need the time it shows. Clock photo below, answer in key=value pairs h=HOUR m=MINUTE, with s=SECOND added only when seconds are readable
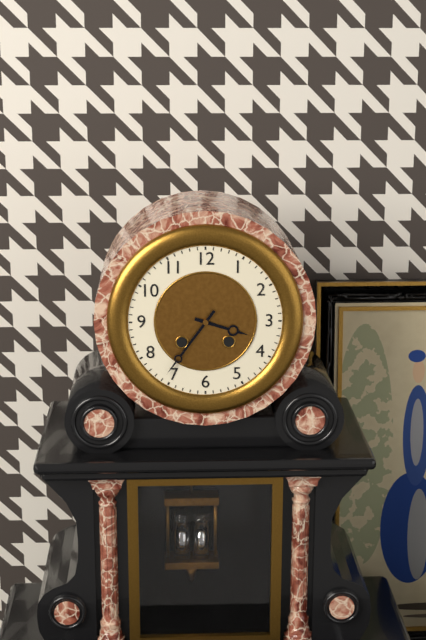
h=3 m=36
